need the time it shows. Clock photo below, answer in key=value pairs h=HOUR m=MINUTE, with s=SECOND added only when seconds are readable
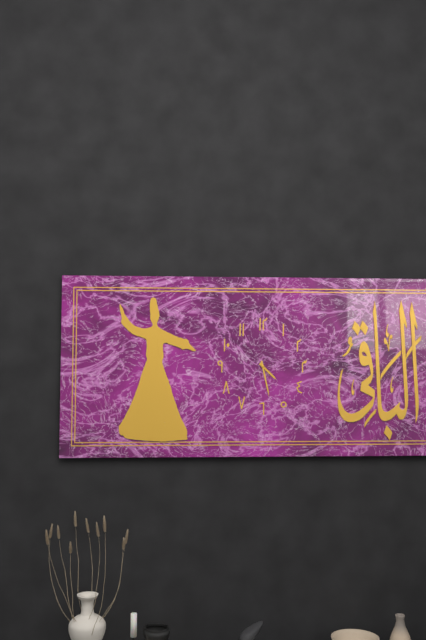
h=4 m=28
